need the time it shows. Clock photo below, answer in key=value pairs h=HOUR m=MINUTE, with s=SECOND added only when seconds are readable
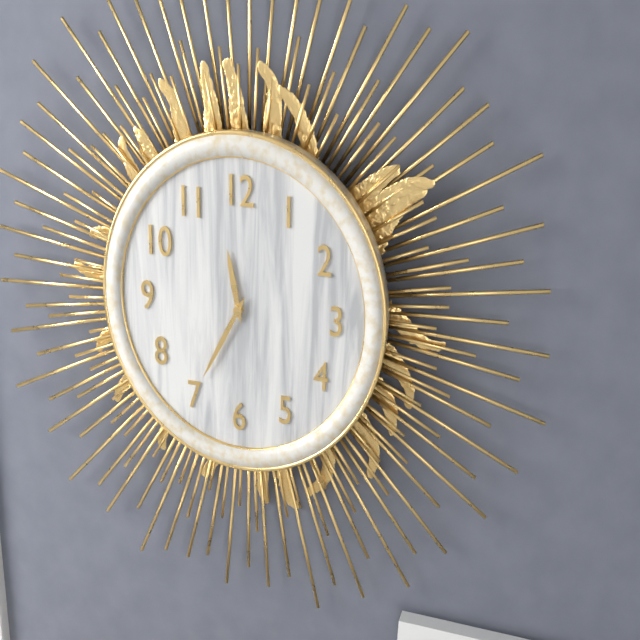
h=11 m=35
